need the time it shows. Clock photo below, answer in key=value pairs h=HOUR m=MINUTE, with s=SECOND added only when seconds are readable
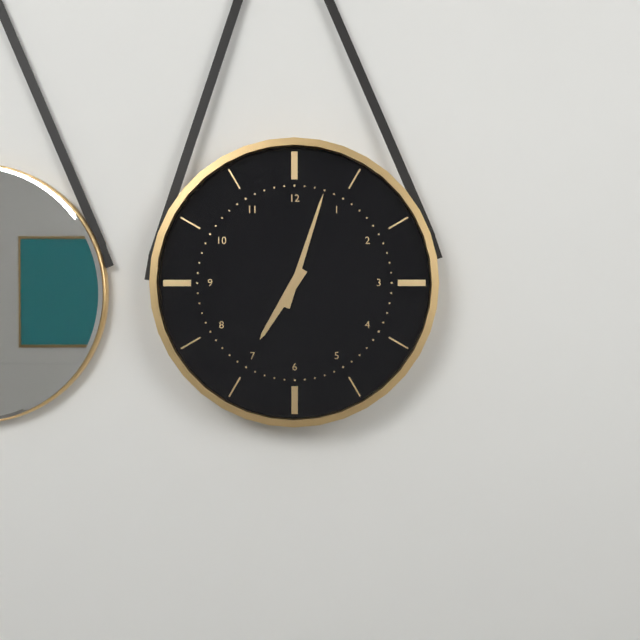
h=7 m=3
